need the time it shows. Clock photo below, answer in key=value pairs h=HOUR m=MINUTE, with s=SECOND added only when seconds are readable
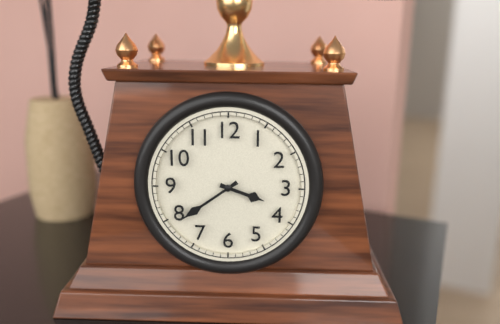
h=3 m=39
